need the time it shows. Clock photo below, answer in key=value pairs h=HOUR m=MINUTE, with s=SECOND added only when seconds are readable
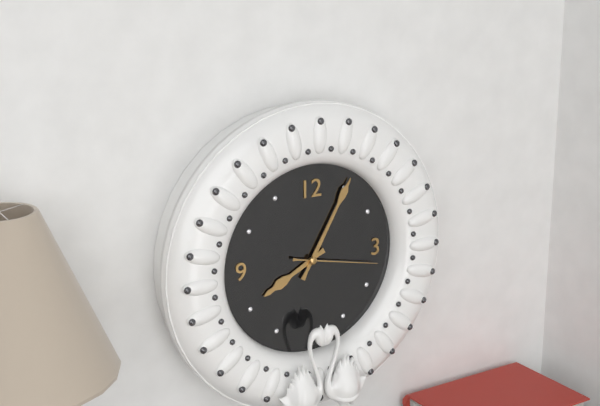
h=8 m=5 s=17
